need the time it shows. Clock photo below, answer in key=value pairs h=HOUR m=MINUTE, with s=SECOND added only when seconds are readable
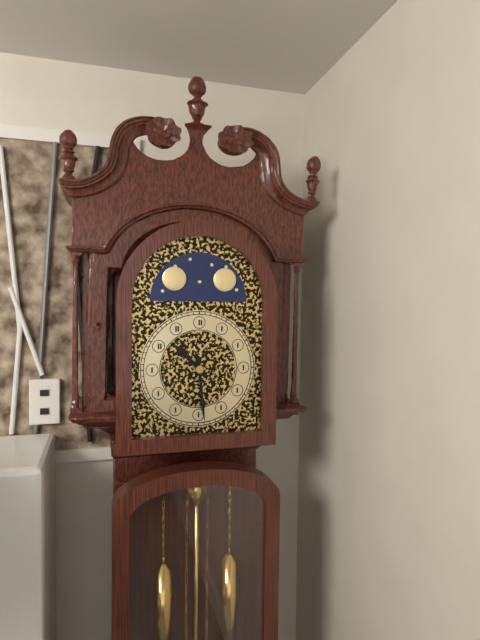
h=10 m=29
